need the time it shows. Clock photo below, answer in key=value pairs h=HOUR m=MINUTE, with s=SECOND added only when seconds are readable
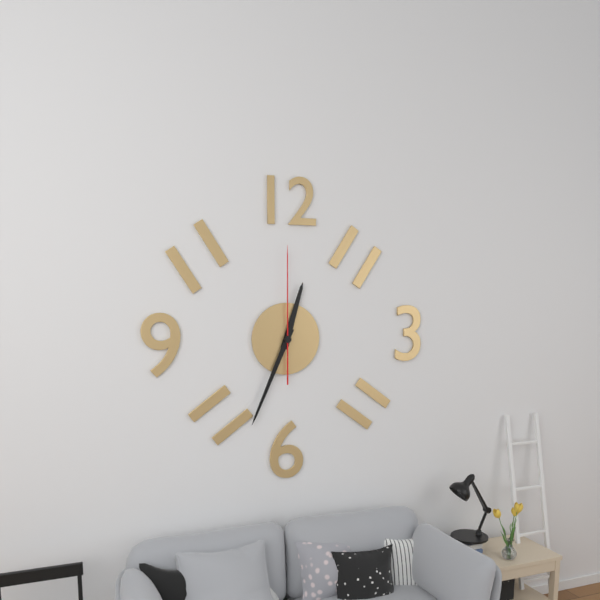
h=12 m=34 s=0
